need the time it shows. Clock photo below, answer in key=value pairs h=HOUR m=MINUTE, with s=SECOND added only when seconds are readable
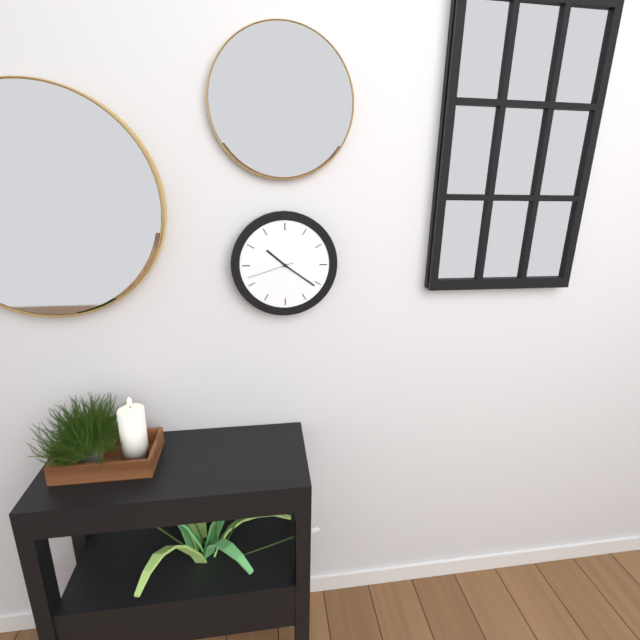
h=10 m=21
